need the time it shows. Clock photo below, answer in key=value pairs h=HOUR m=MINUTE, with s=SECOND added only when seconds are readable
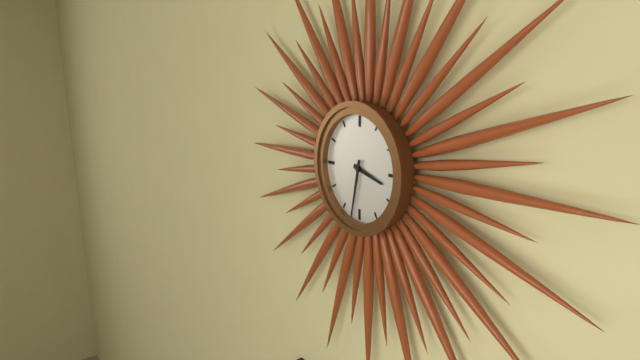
h=3 m=32
